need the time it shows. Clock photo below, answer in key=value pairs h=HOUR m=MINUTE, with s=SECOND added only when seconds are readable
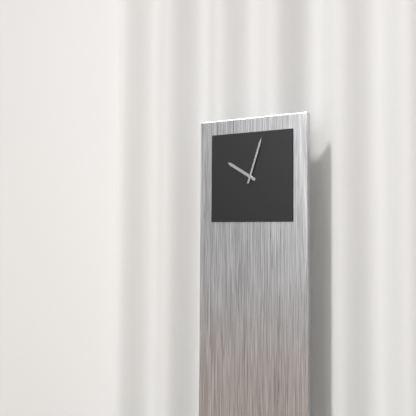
h=10 m=3
